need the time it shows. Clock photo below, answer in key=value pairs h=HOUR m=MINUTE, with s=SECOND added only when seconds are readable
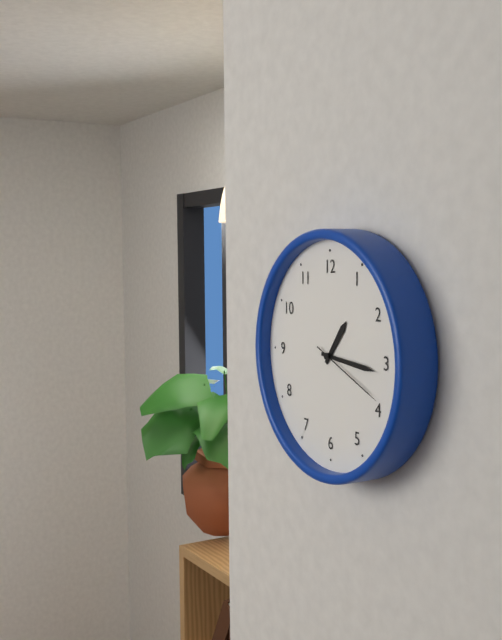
h=1 m=16 s=19
